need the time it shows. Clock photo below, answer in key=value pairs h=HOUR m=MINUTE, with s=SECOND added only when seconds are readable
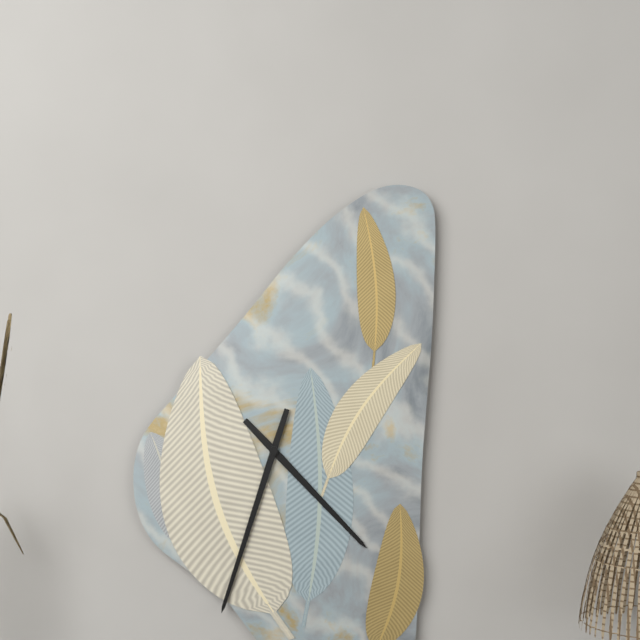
h=4 m=33
